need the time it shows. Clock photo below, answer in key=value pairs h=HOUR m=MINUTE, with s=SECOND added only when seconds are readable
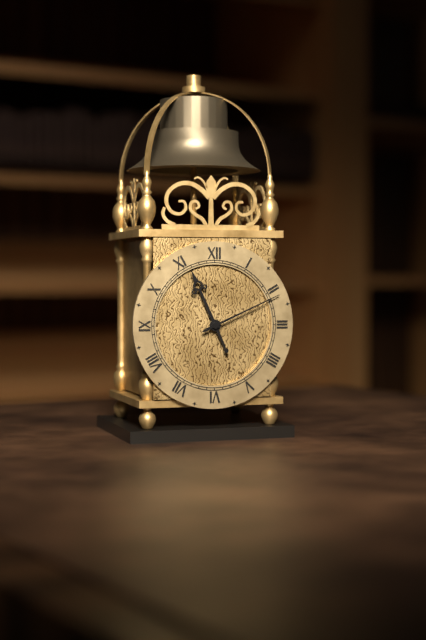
h=11 m=11
